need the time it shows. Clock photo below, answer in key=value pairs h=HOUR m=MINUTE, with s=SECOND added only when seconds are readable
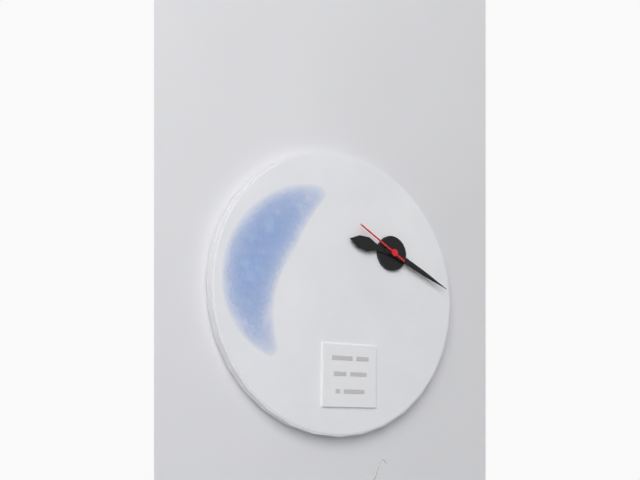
h=9 m=19 s=50
